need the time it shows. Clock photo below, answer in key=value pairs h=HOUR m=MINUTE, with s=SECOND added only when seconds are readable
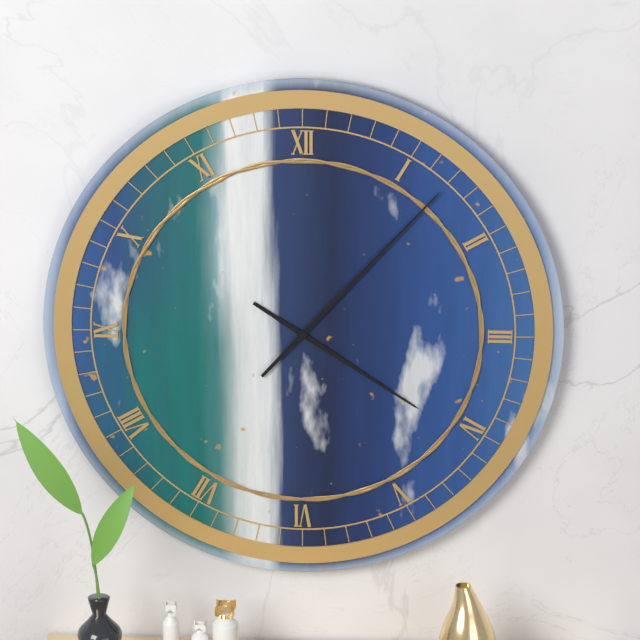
h=4 m=7
